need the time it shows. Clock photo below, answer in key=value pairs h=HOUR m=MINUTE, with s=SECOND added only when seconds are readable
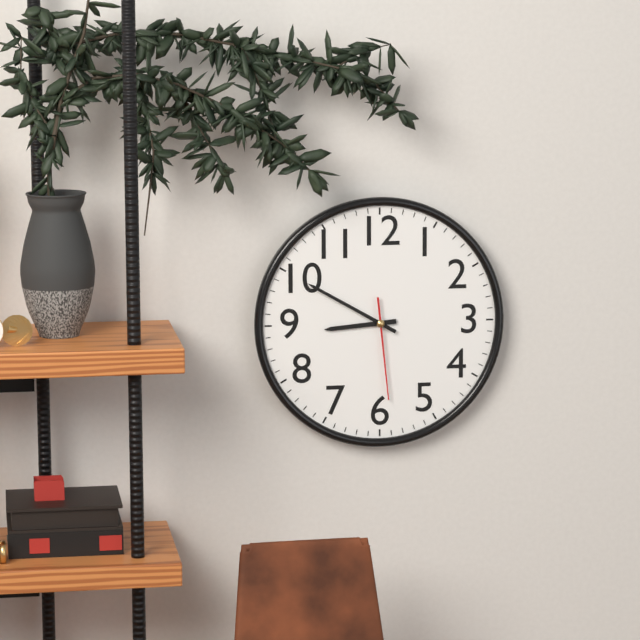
h=8 m=50 s=29
